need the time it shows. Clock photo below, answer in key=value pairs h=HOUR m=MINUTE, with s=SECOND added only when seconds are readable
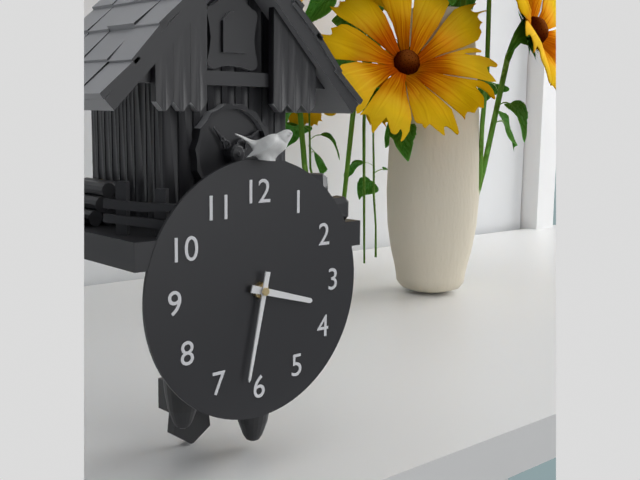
h=3 m=32
